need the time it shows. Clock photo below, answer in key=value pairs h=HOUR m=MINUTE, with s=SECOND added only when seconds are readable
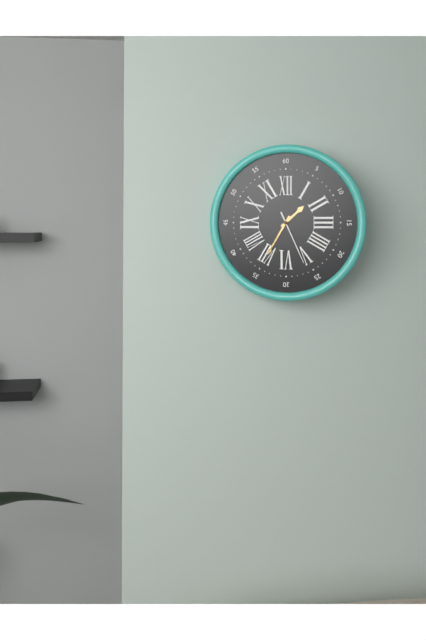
h=1 m=35 s=26
